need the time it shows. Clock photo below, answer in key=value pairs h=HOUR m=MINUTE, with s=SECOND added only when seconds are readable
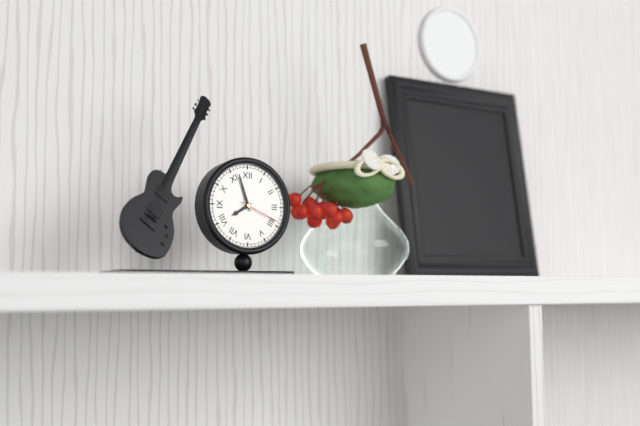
h=7 m=57
